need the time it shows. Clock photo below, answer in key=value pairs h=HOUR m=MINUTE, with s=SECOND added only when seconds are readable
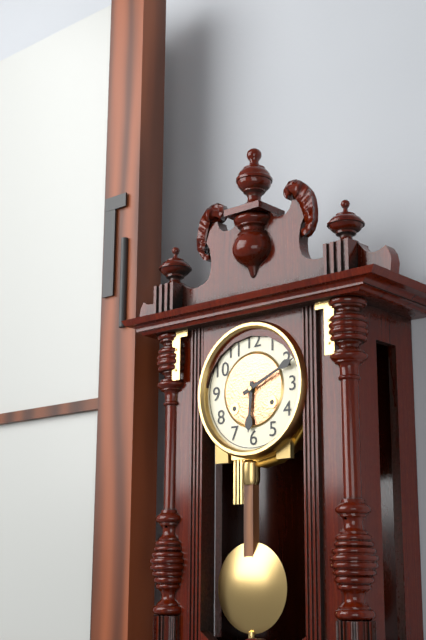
h=6 m=11
